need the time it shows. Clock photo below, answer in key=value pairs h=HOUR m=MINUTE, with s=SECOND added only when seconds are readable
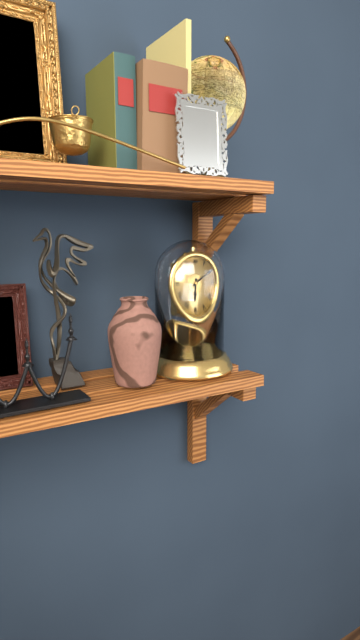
h=6 m=10
